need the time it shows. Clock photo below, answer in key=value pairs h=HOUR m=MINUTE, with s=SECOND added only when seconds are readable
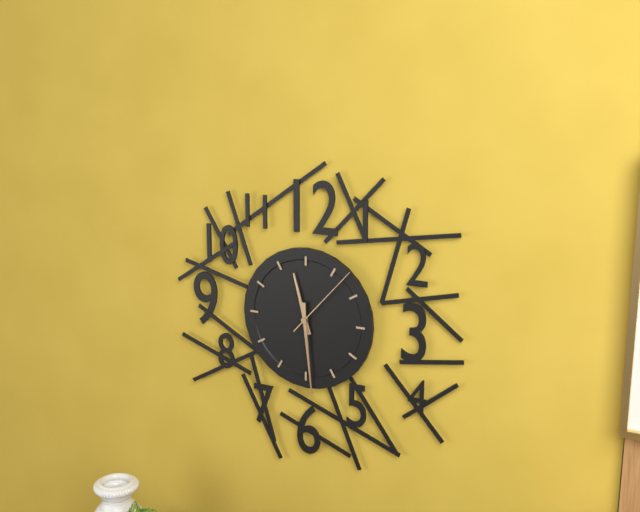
h=11 m=29 s=7
